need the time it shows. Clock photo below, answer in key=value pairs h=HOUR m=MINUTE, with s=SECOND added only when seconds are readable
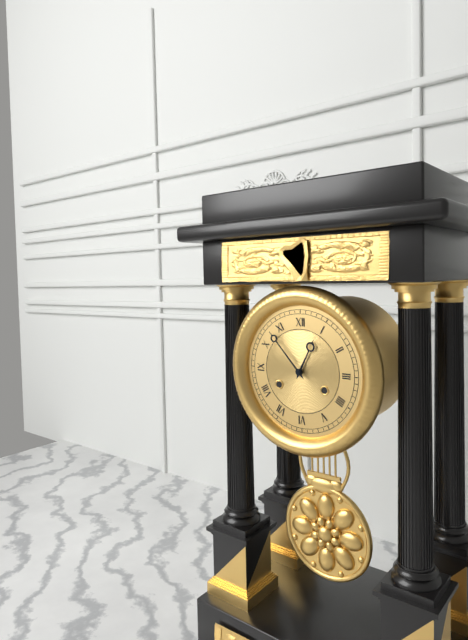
h=12 m=53
